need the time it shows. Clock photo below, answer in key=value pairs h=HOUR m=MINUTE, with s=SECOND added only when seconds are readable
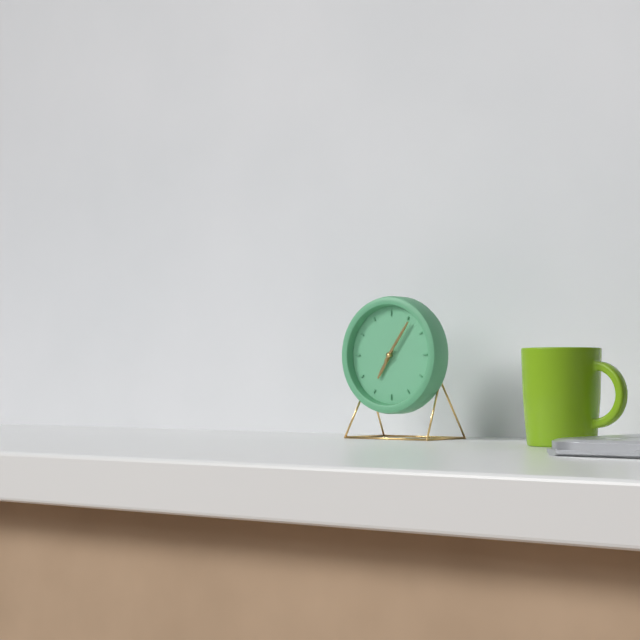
h=7 m=6
